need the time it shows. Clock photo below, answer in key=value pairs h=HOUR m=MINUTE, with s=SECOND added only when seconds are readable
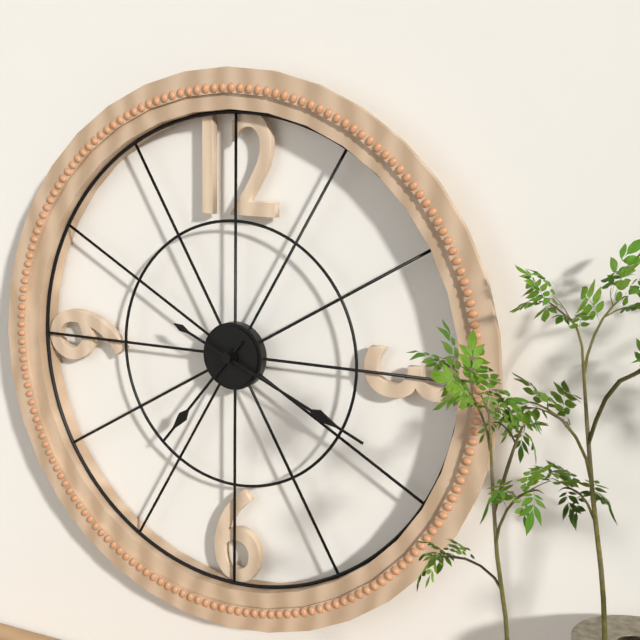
h=7 m=19
